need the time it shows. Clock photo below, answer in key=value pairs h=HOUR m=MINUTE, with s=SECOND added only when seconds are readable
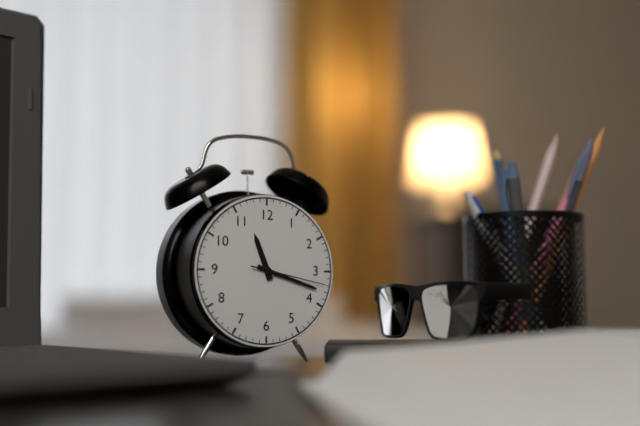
h=11 m=18 s=17
